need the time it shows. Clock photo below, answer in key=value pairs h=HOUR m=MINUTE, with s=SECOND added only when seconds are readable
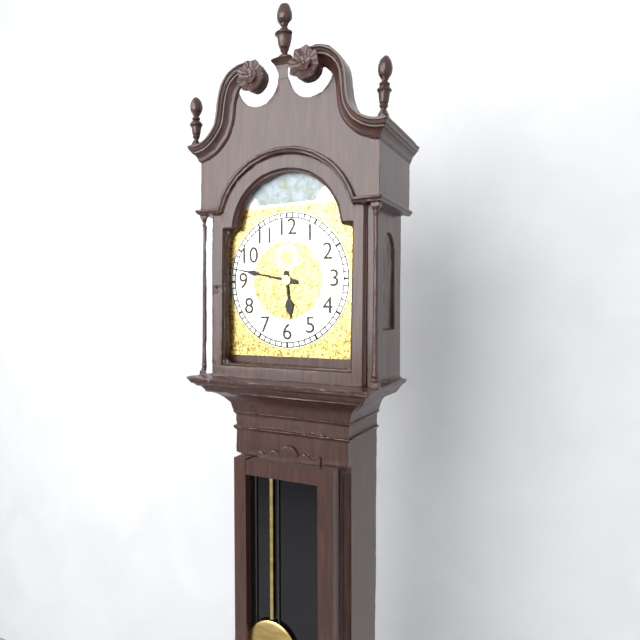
h=5 m=47
